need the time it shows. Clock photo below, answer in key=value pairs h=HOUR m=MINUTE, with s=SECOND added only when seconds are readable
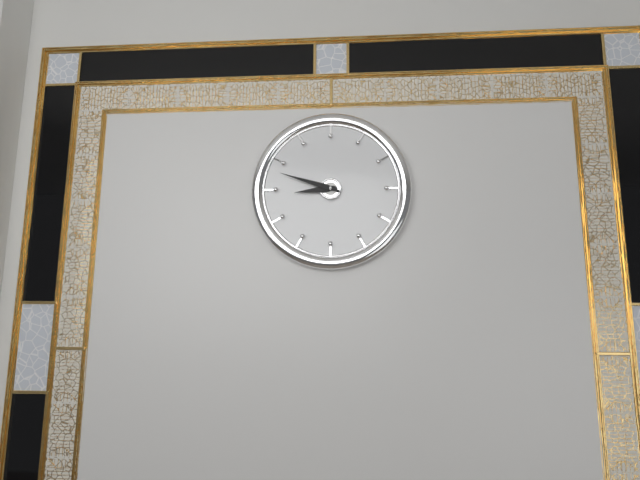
h=8 m=48
